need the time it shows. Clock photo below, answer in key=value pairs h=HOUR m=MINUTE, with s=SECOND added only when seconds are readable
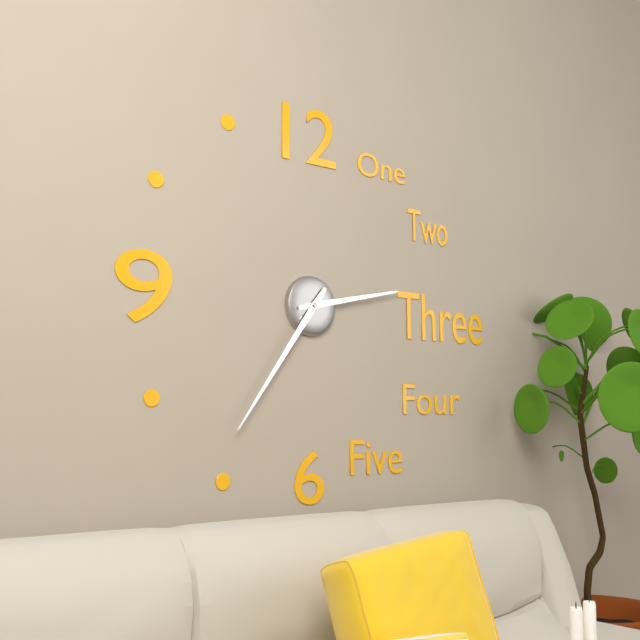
h=2 m=36
